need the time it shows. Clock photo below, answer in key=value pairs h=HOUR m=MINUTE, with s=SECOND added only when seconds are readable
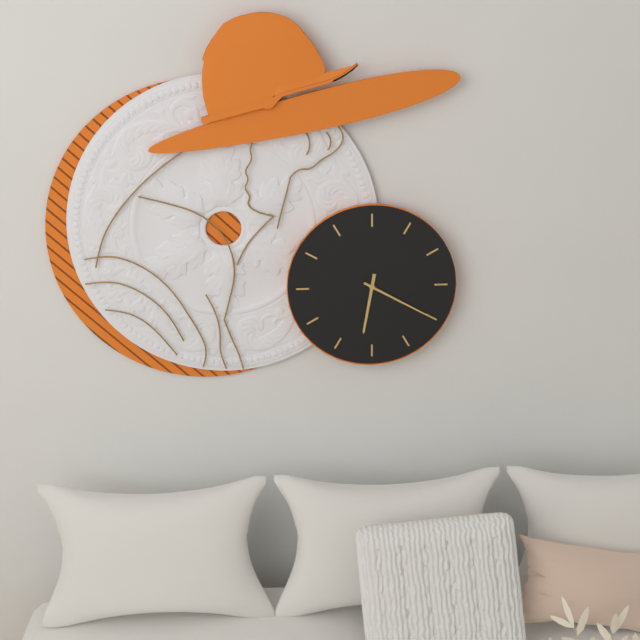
h=6 m=20
